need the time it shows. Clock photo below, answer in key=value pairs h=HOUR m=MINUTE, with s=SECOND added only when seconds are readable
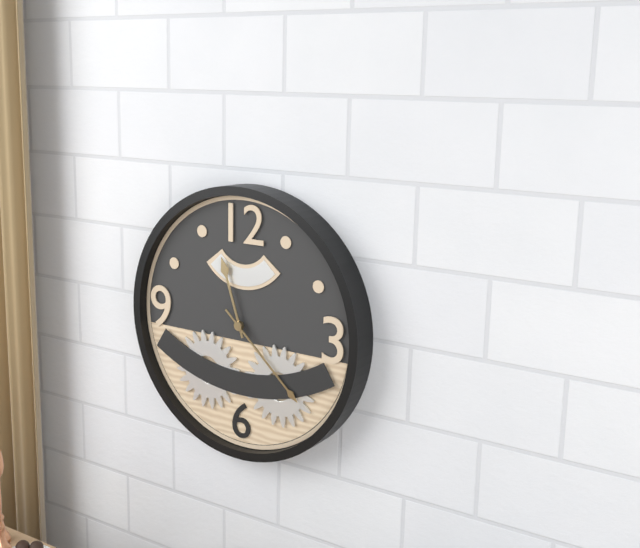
h=11 m=22
